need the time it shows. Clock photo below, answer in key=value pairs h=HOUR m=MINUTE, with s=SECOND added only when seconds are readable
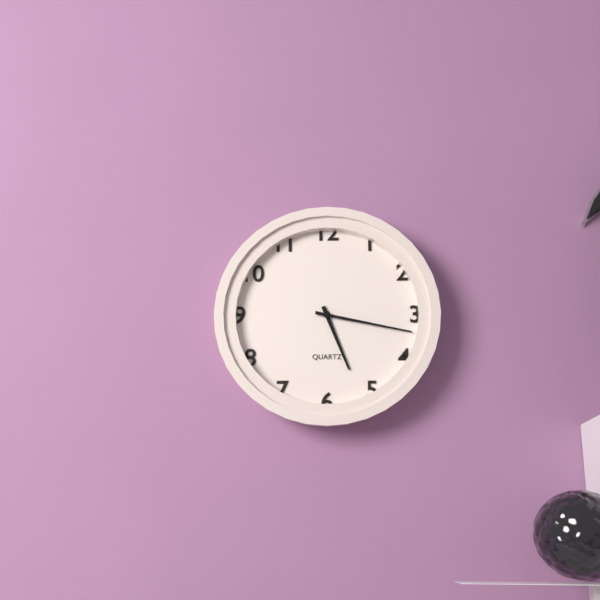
h=5 m=17
